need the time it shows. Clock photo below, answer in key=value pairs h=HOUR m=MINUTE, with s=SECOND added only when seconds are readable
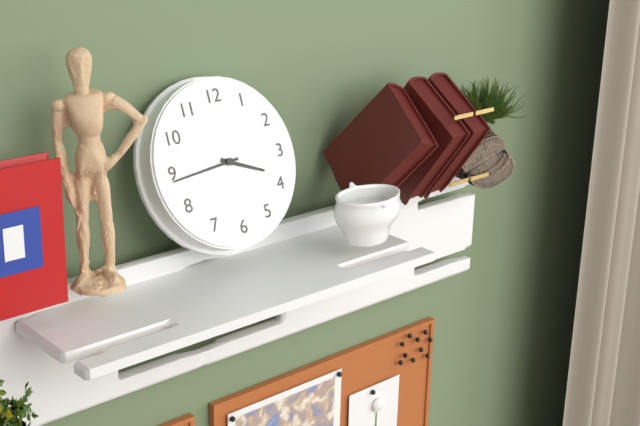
h=3 m=44
